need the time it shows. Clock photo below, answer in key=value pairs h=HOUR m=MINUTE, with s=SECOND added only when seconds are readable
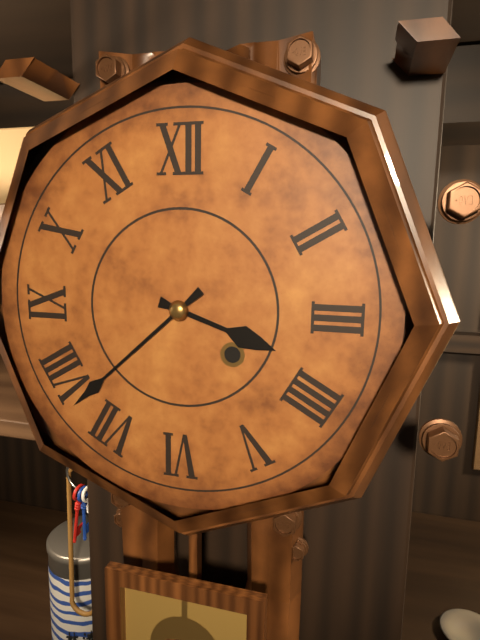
h=3 m=38
